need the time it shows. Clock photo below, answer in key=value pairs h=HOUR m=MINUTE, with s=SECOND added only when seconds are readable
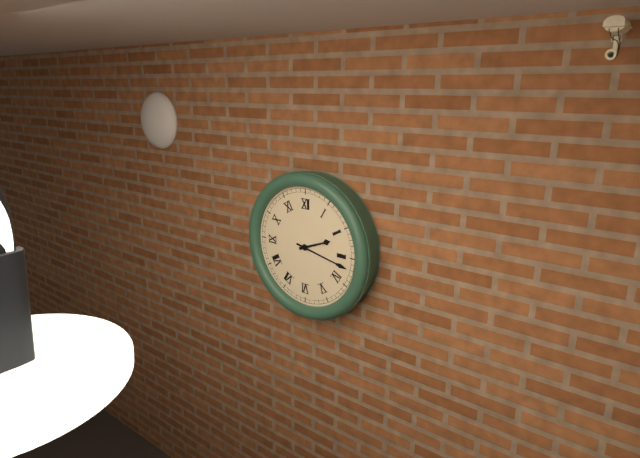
h=2 m=17
